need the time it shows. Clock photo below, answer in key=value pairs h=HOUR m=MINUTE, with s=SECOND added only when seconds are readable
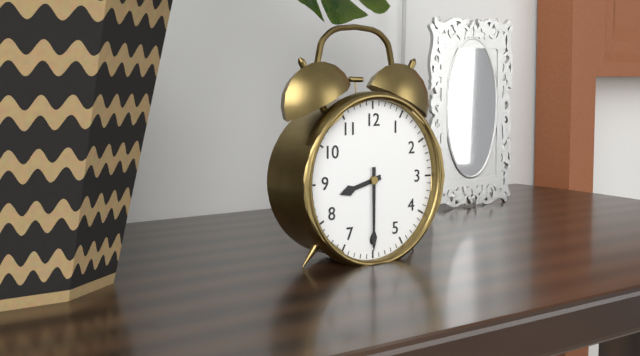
h=8 m=30
